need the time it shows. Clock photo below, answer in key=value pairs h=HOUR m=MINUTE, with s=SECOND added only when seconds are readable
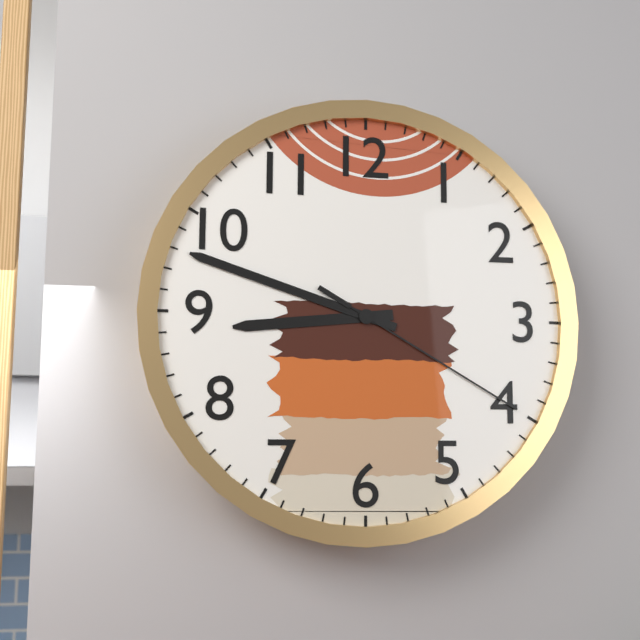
h=8 m=48 s=20
